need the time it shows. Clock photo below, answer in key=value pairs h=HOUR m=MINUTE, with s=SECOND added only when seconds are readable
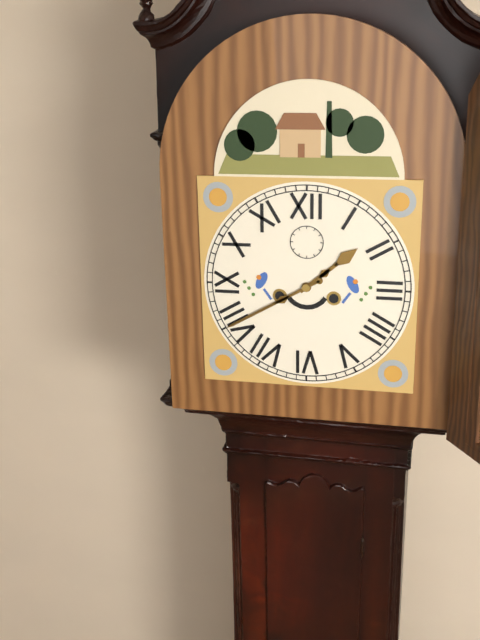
h=1 m=40
